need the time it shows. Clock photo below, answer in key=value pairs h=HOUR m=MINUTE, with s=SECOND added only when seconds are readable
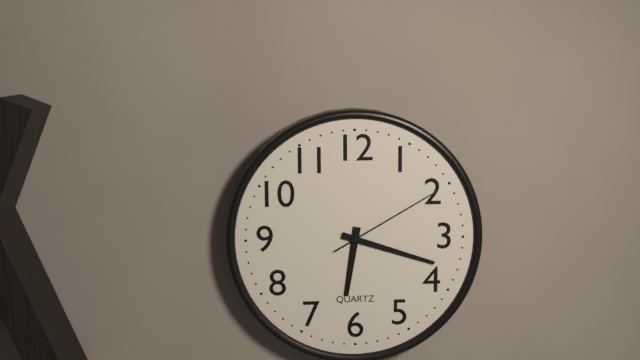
h=6 m=18 s=10
